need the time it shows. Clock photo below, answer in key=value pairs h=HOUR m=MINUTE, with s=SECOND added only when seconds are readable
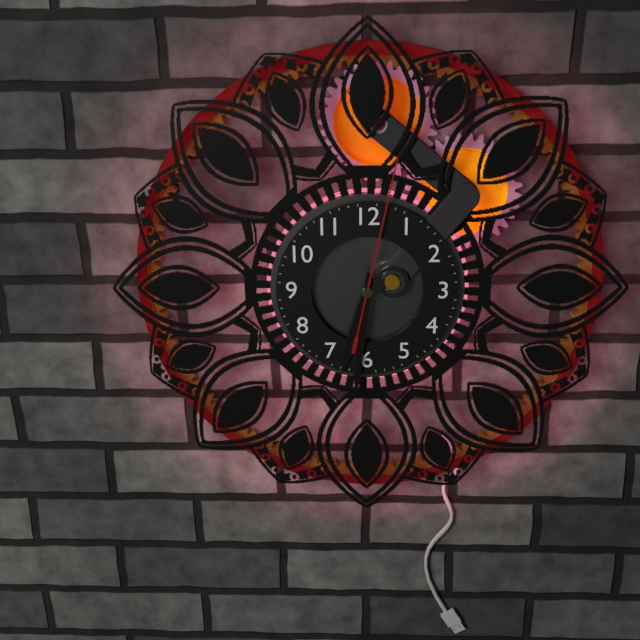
h=6 m=31 s=2
